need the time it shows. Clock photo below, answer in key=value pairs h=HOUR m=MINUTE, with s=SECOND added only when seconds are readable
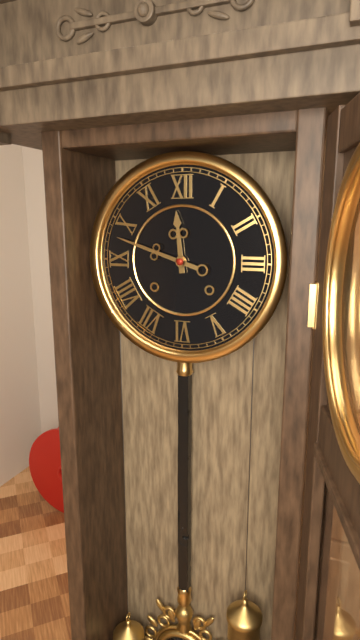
h=11 m=48
